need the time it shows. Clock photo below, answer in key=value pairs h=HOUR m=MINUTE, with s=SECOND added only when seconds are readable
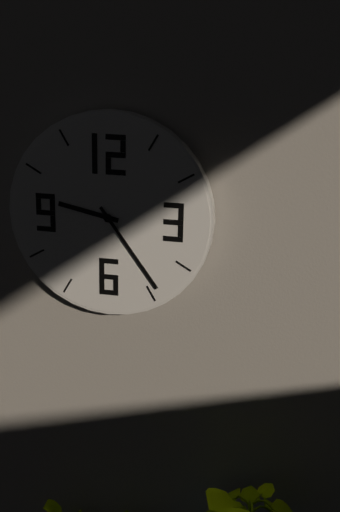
h=9 m=24
